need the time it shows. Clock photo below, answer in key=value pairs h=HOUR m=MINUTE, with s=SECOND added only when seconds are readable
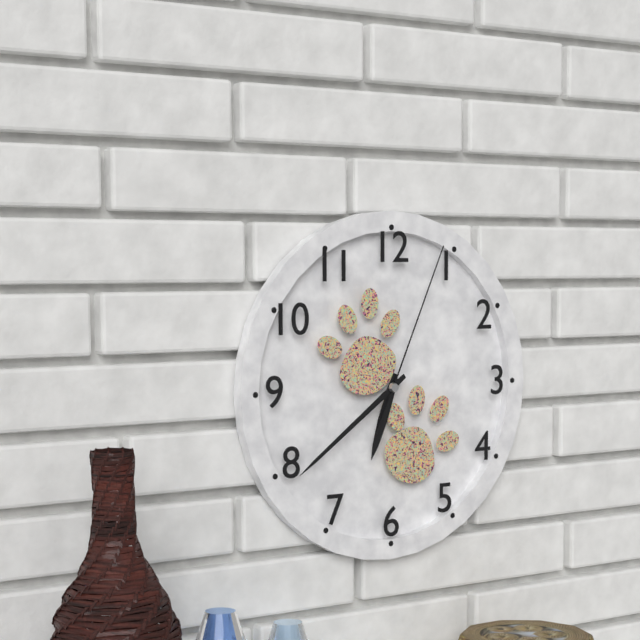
h=6 m=39 s=4
